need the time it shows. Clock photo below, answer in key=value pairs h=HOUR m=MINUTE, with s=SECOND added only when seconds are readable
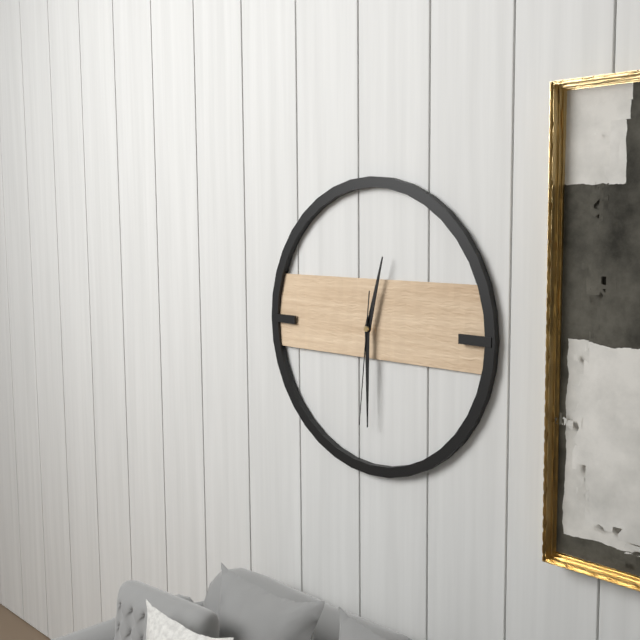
h=12 m=30 s=31
